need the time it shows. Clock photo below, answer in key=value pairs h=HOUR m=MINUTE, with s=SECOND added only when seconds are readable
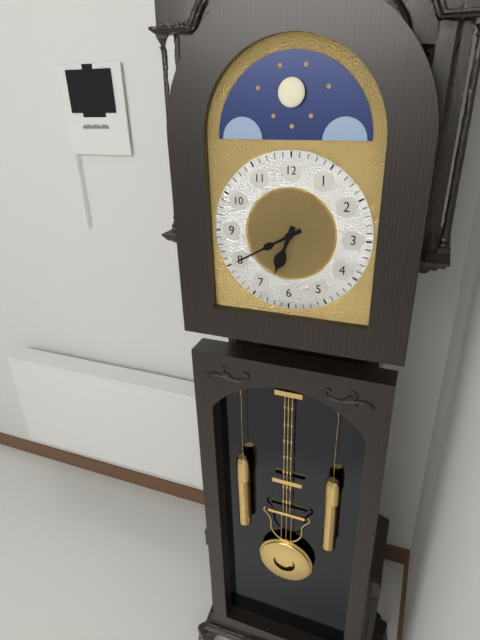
h=6 m=40
